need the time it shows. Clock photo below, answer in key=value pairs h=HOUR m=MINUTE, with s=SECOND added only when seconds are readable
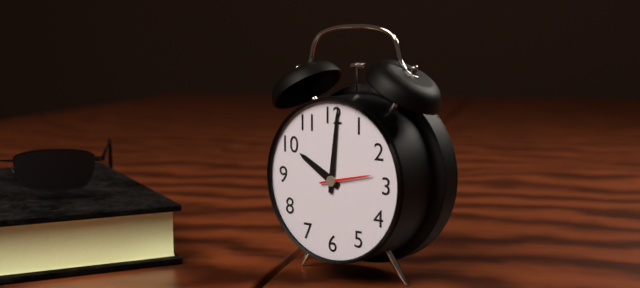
h=10 m=1
